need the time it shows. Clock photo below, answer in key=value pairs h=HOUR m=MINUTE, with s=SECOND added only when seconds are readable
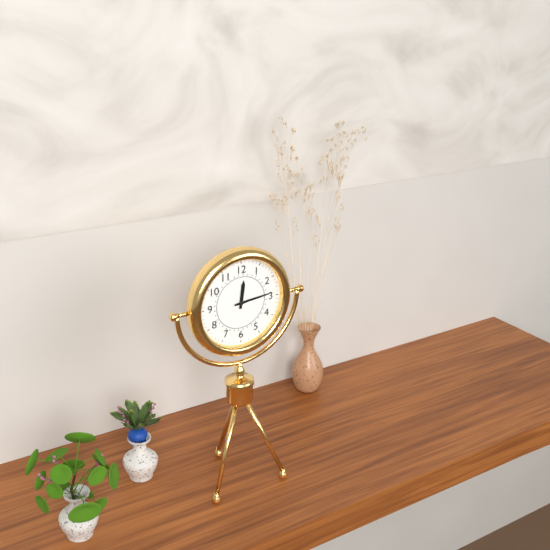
h=12 m=14
